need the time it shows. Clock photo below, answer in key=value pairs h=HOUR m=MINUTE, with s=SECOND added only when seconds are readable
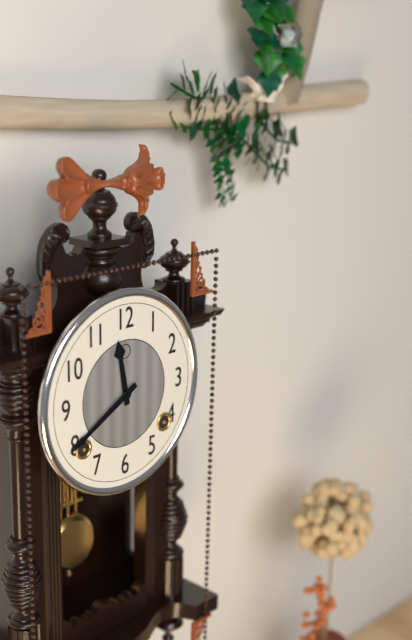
h=11 m=40
